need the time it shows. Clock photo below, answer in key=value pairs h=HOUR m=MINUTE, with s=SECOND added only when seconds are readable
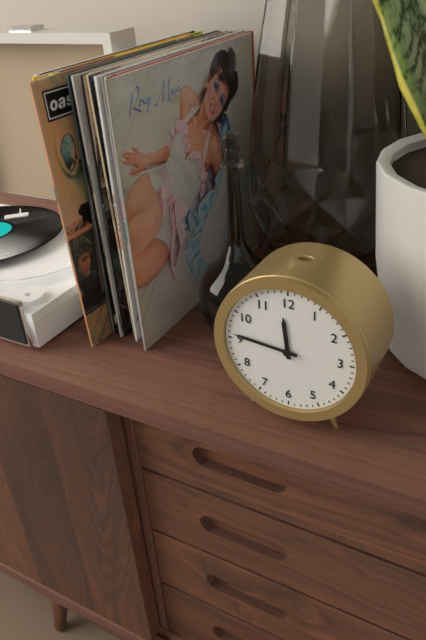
h=11 m=46
